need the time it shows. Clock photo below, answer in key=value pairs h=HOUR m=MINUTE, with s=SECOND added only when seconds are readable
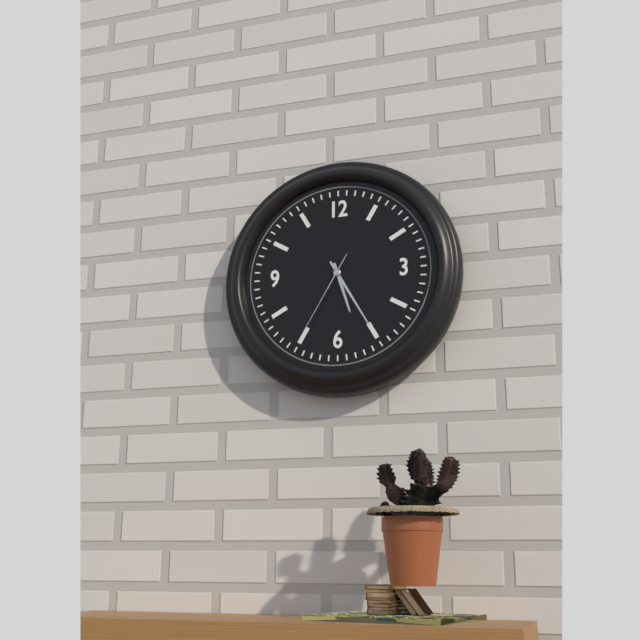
h=5 m=25 s=35
